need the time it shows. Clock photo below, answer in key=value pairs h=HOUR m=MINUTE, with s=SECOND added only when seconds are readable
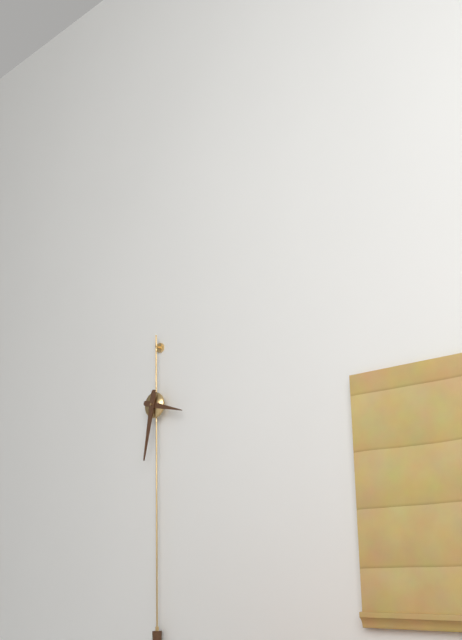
h=3 m=32
